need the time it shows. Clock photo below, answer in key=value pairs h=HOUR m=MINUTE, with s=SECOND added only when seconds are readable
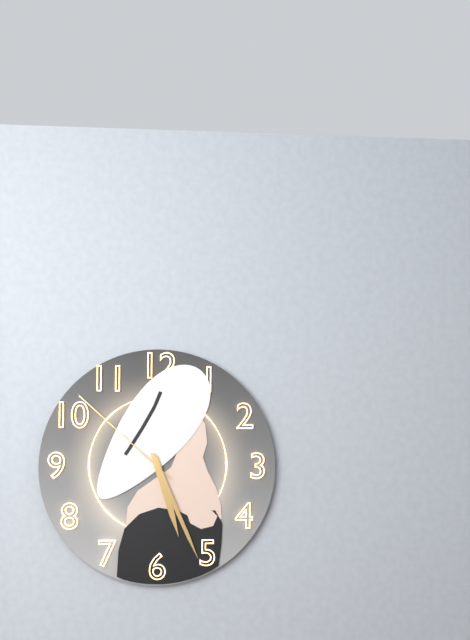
h=5 m=26 s=52
